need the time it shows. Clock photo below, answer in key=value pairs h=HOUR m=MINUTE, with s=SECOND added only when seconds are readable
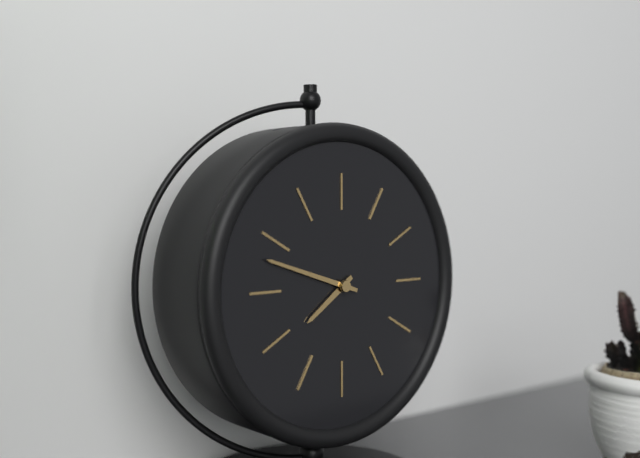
h=7 m=48
